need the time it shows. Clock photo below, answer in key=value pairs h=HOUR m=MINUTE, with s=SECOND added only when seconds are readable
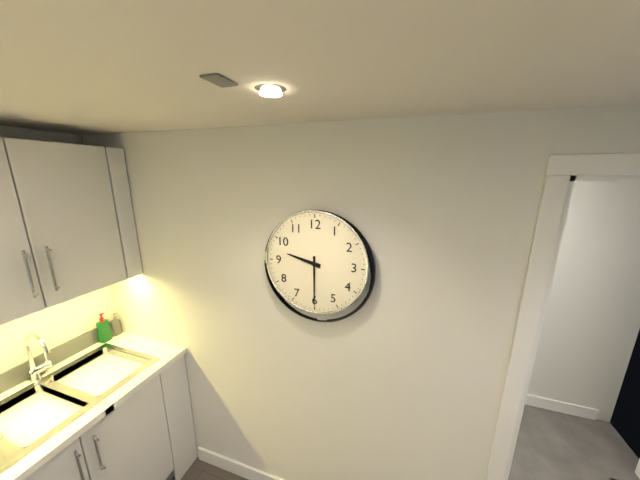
h=9 m=30
